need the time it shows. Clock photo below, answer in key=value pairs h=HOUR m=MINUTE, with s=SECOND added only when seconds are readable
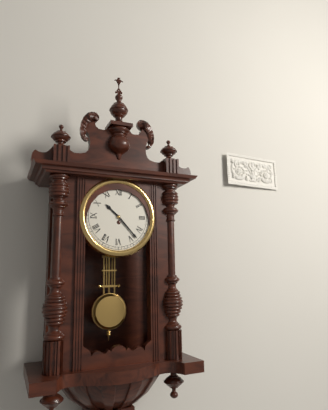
h=10 m=23
